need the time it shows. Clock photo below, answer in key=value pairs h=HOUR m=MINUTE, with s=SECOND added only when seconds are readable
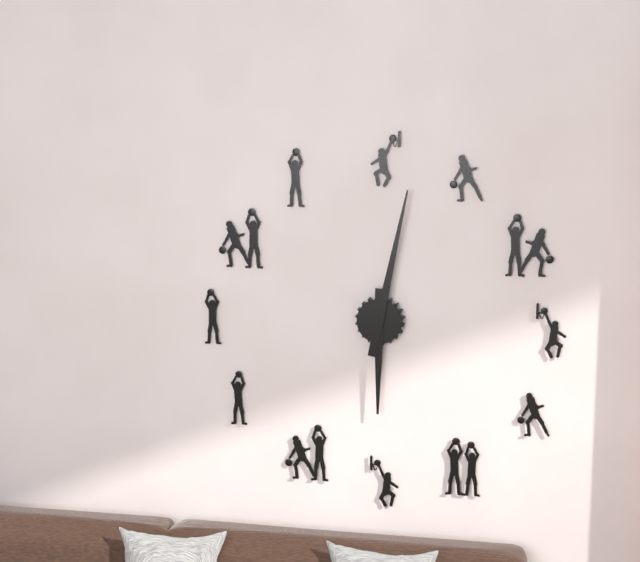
h=6 m=2
